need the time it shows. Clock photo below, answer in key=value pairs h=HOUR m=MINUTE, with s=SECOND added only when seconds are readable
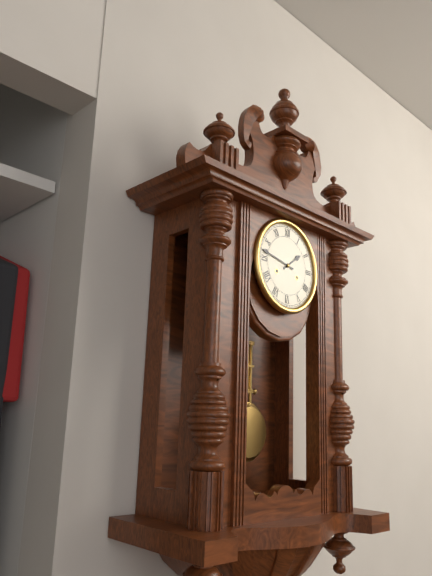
h=1 m=47
